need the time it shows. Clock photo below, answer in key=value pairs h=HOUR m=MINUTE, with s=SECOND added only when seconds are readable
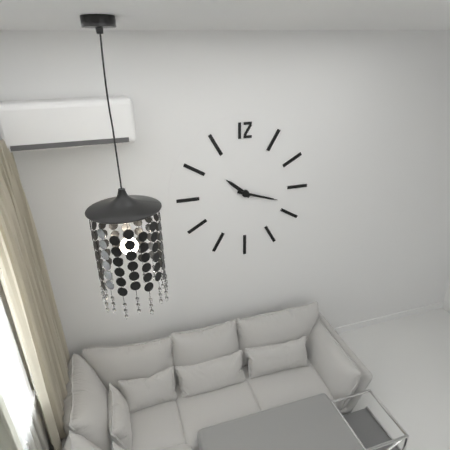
h=10 m=18
